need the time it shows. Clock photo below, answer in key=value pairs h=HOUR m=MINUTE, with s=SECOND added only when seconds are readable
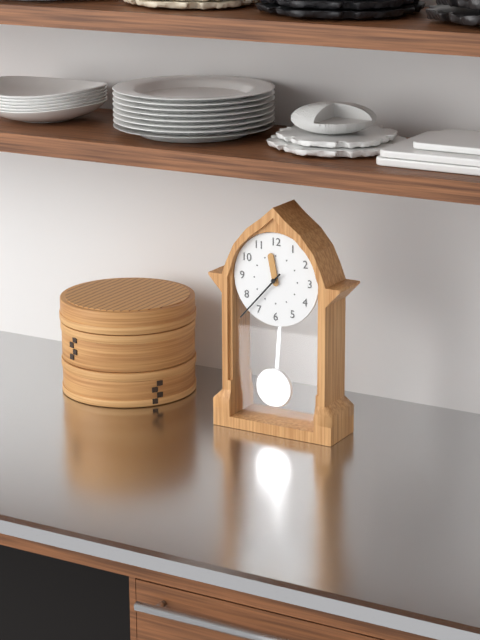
h=11 m=37
